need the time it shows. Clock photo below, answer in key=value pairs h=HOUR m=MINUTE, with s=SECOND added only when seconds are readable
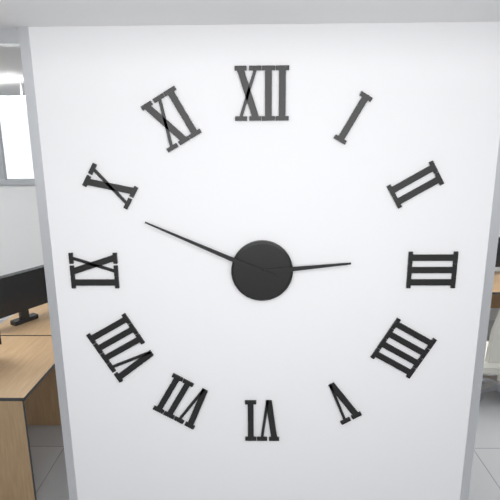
h=2 m=49
